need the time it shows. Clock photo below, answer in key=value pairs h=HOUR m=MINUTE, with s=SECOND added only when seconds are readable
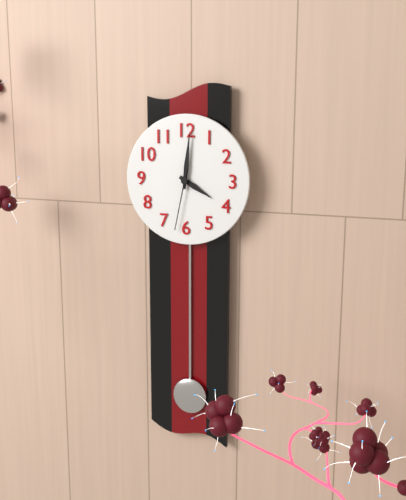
h=4 m=1 s=32
